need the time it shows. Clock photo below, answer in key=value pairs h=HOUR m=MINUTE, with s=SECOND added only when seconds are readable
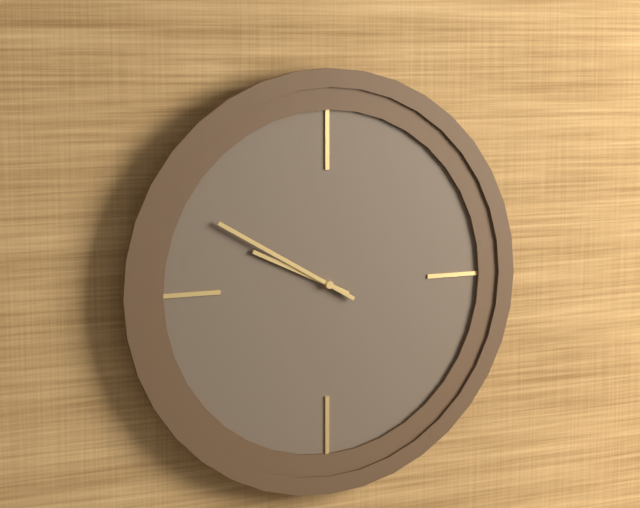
h=9 m=50
